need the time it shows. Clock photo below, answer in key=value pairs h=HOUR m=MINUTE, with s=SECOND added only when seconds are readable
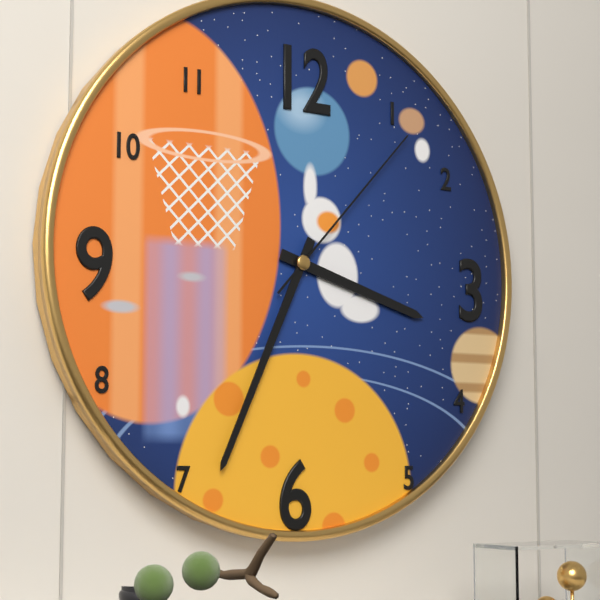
h=3 m=34 s=7
